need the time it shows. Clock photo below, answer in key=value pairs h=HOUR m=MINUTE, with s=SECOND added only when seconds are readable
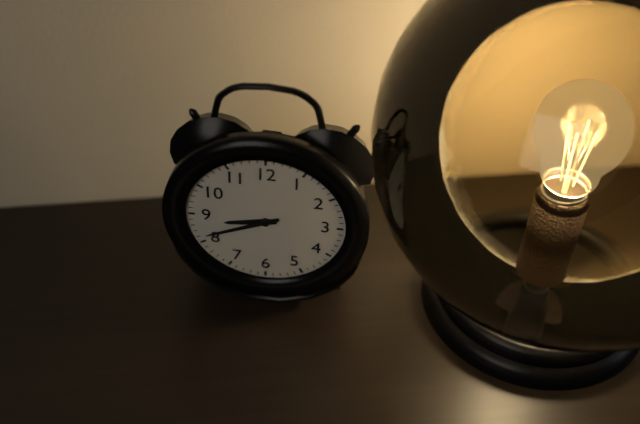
h=8 m=41
